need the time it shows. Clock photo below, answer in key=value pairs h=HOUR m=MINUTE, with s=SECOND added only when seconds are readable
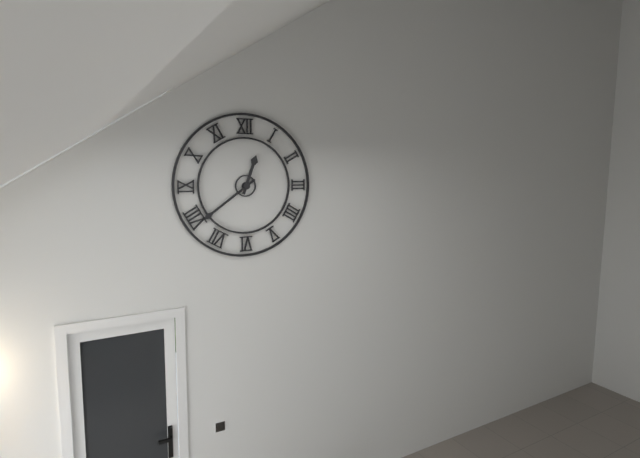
h=12 m=39
